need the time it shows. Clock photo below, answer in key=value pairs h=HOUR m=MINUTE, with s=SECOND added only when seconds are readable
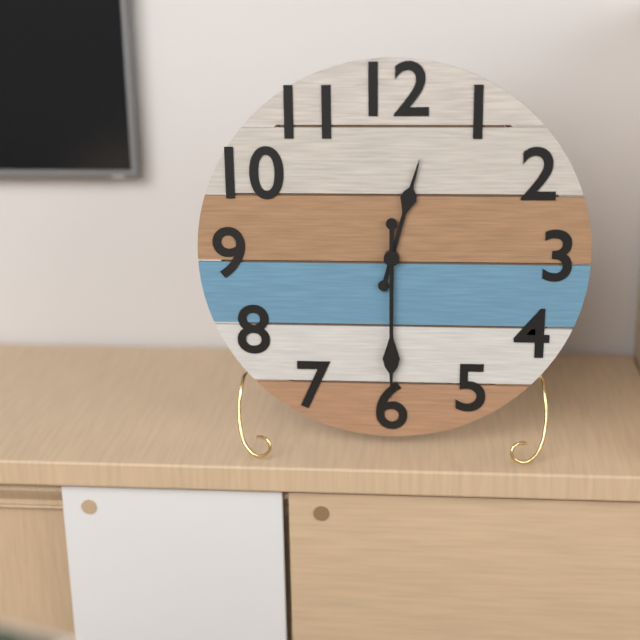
h=12 m=30
